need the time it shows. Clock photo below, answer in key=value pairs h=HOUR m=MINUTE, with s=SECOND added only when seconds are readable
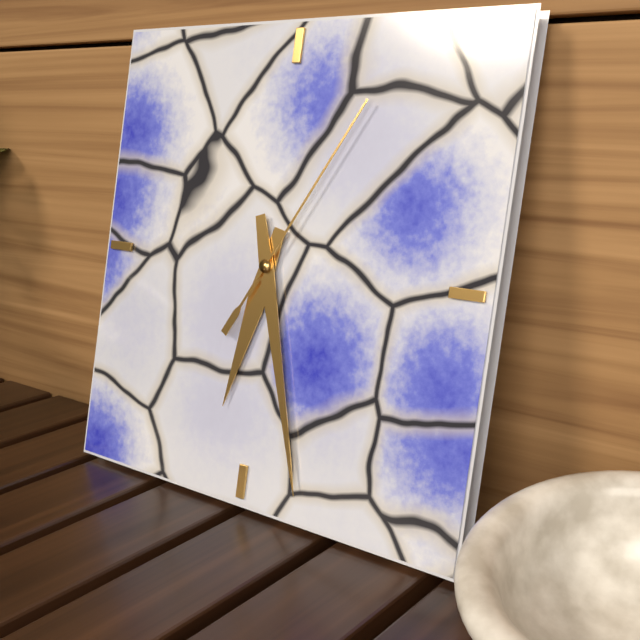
h=6 m=27 s=5
